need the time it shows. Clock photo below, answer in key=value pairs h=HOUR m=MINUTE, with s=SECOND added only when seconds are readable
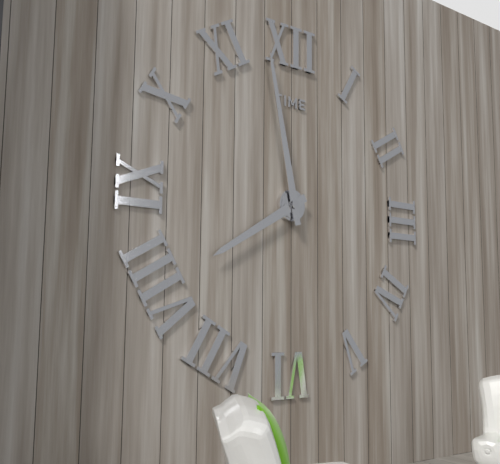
h=7 m=58
